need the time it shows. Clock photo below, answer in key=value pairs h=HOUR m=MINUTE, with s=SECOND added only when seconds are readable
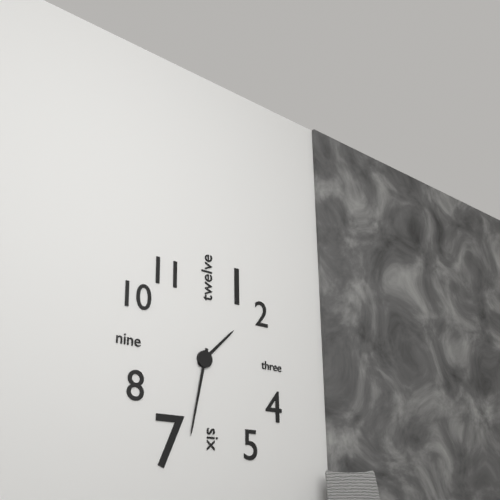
h=1 m=32
